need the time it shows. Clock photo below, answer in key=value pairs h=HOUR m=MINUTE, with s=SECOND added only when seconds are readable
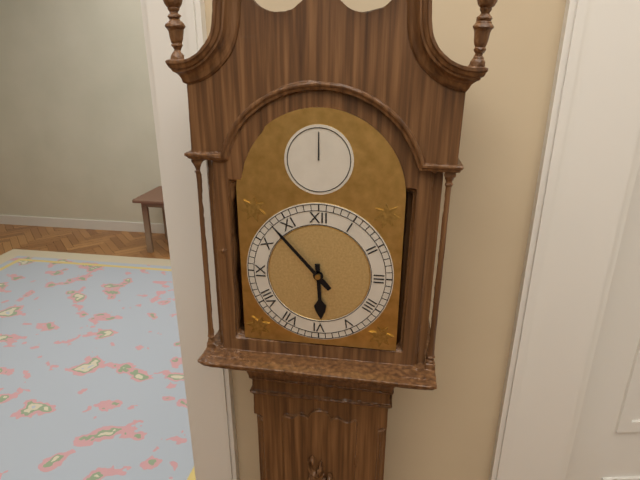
h=5 m=53
